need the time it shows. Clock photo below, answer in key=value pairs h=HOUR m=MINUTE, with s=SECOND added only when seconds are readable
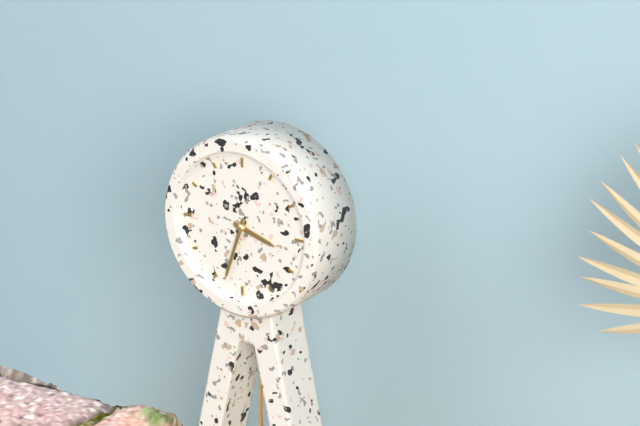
h=3 m=33
